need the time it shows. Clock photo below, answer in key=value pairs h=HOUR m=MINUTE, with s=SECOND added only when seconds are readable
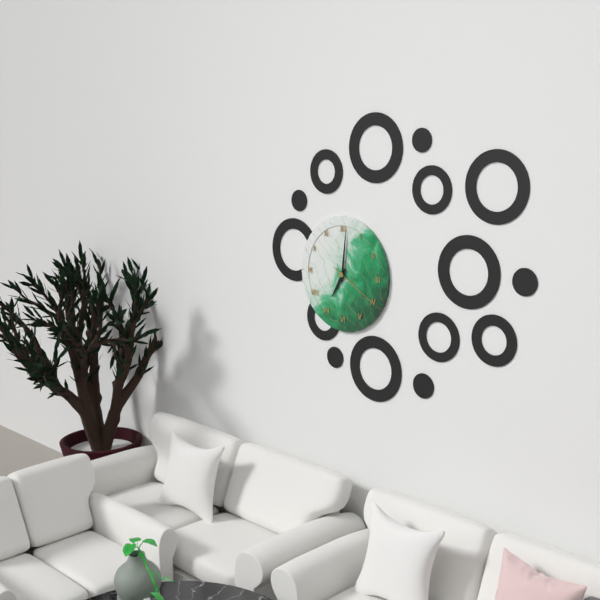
h=7 m=1 s=20
